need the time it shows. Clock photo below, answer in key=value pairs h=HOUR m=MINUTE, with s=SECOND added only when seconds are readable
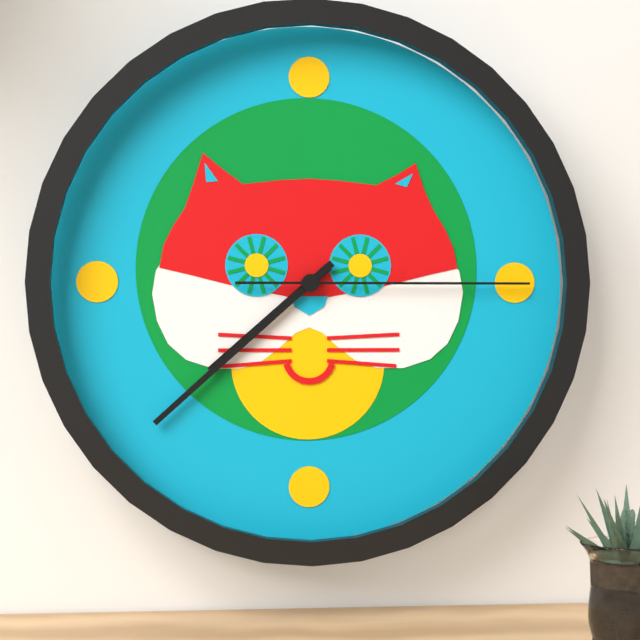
h=7 m=38 s=15
